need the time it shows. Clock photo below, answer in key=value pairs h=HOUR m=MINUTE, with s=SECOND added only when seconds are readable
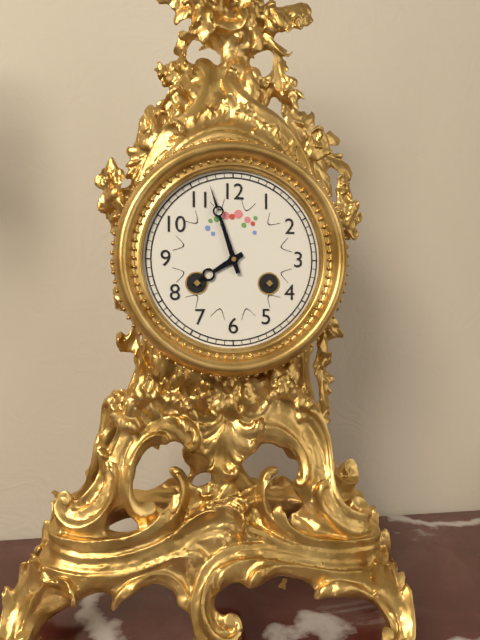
h=7 m=57
